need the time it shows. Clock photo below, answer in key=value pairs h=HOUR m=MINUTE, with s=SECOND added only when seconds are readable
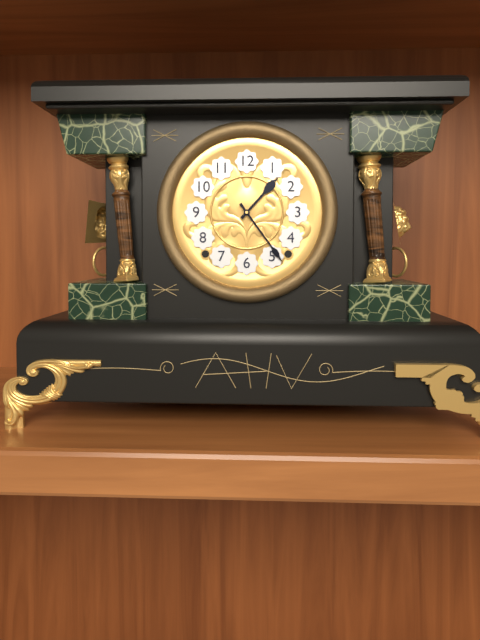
h=1 m=24
